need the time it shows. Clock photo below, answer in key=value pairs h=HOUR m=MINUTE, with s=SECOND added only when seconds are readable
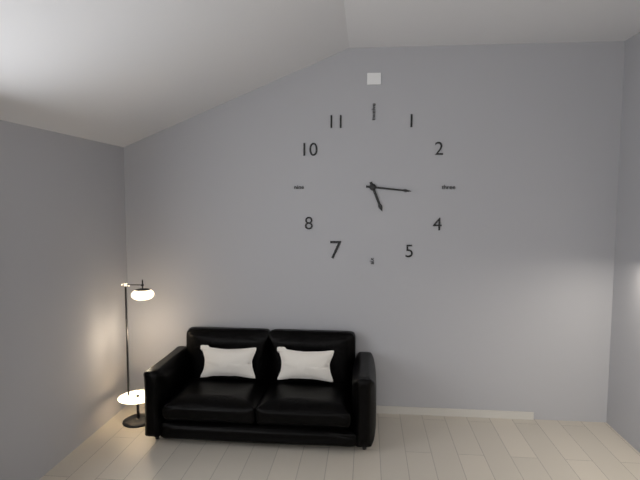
h=5 m=16
